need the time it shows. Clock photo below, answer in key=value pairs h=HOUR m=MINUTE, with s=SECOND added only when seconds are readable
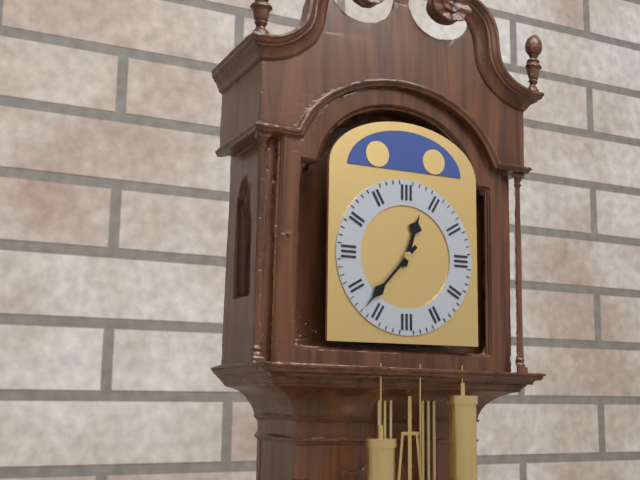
h=12 m=37
